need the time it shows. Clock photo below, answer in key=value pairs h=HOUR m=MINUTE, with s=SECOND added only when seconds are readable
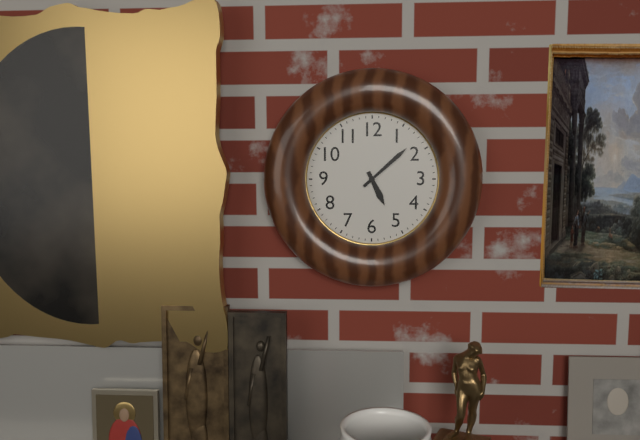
h=5 m=8
